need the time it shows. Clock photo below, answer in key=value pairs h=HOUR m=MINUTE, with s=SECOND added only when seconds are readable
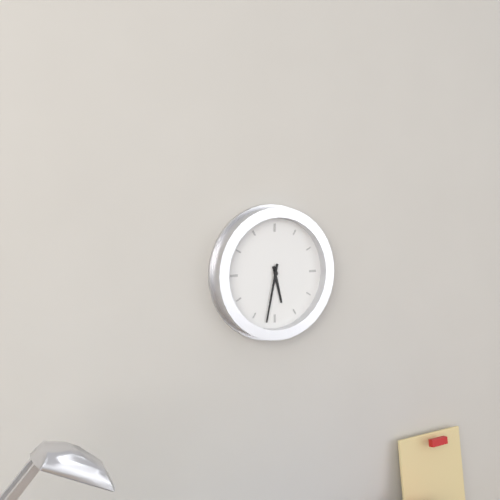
h=5 m=32
